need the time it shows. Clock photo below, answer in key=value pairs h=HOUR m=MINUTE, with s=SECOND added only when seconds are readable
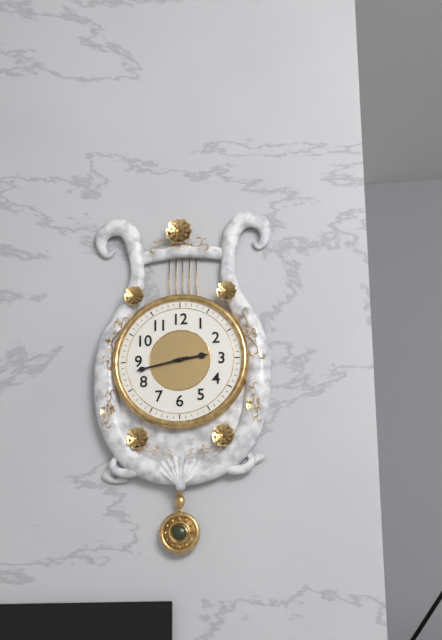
h=2 m=43
